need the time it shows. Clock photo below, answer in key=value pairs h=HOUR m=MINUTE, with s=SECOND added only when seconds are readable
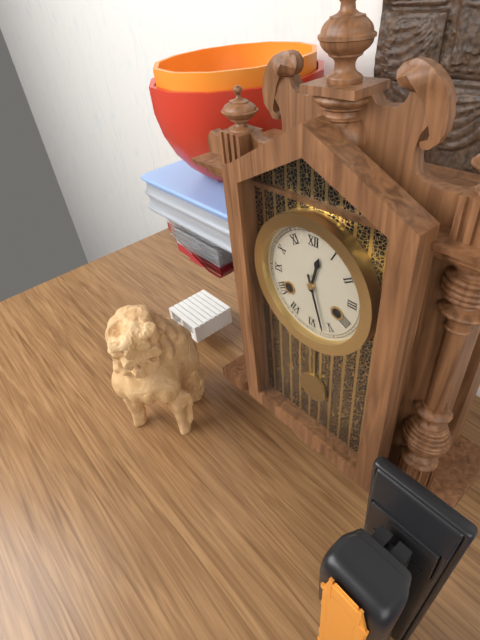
h=12 m=27
